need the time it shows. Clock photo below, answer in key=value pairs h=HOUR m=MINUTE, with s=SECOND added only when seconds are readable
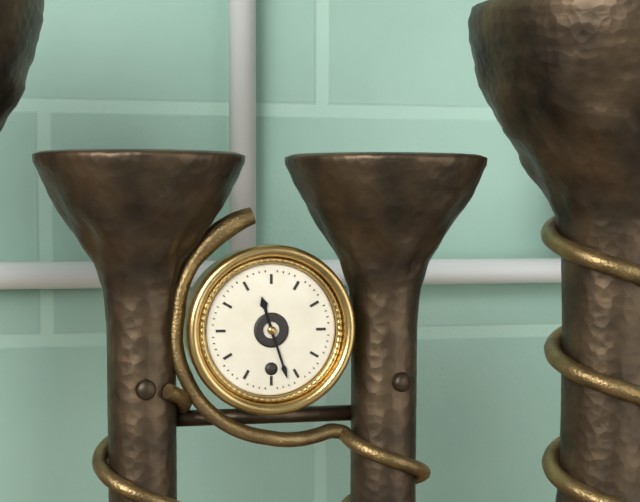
h=11 m=27
